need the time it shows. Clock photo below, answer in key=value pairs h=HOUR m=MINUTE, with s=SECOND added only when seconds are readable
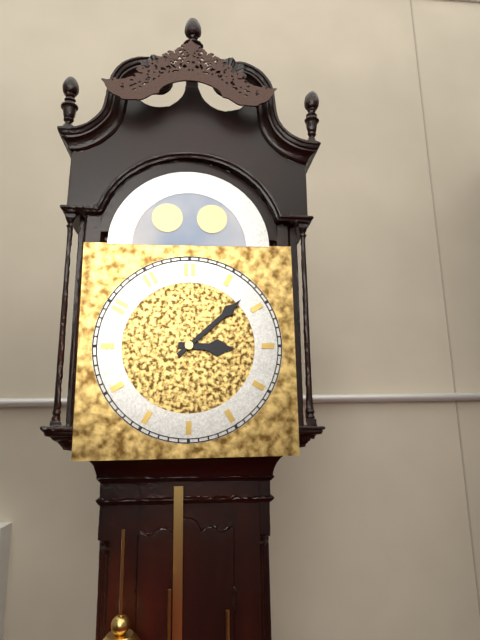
h=3 m=8
